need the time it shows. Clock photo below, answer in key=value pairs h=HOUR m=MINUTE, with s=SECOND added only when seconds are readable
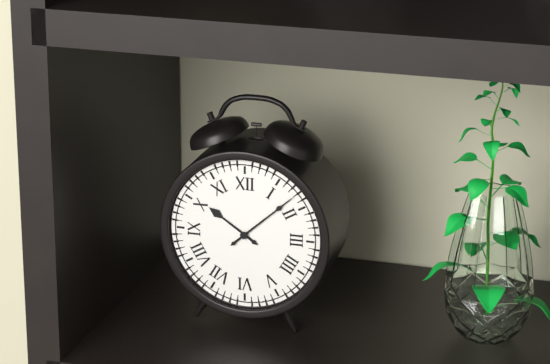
h=10 m=8
